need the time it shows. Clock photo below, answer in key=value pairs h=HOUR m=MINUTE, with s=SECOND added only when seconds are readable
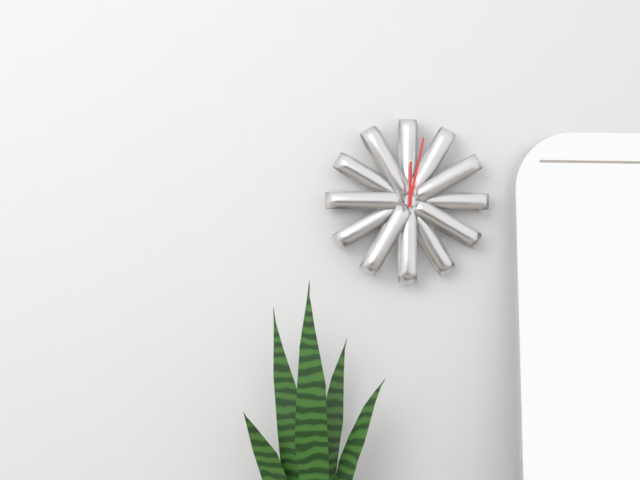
h=12 m=2
